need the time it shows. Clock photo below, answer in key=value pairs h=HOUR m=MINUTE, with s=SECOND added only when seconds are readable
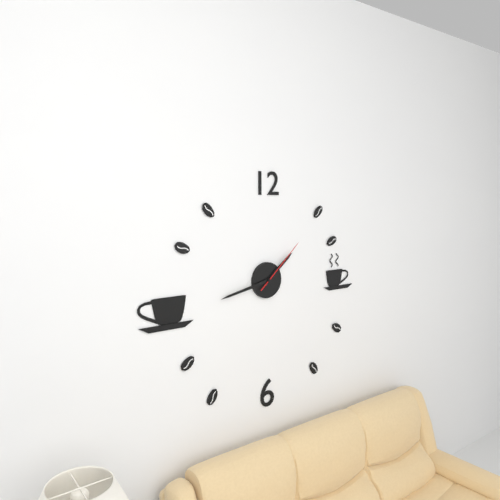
h=1 m=43 s=8
